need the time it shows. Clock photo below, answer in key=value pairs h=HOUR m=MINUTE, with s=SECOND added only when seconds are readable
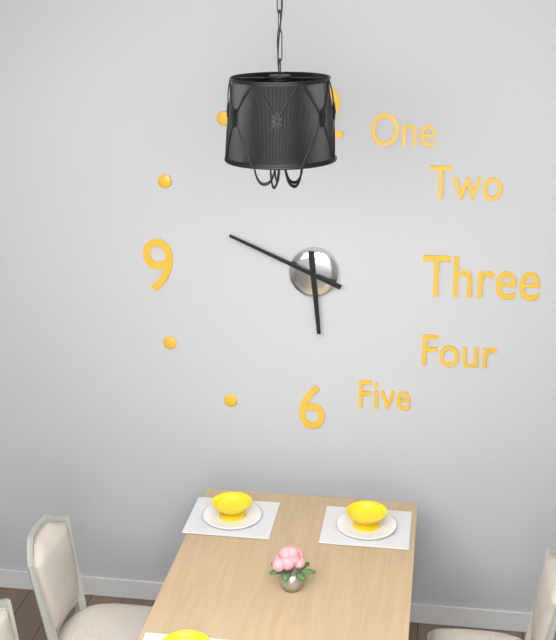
h=5 m=49
